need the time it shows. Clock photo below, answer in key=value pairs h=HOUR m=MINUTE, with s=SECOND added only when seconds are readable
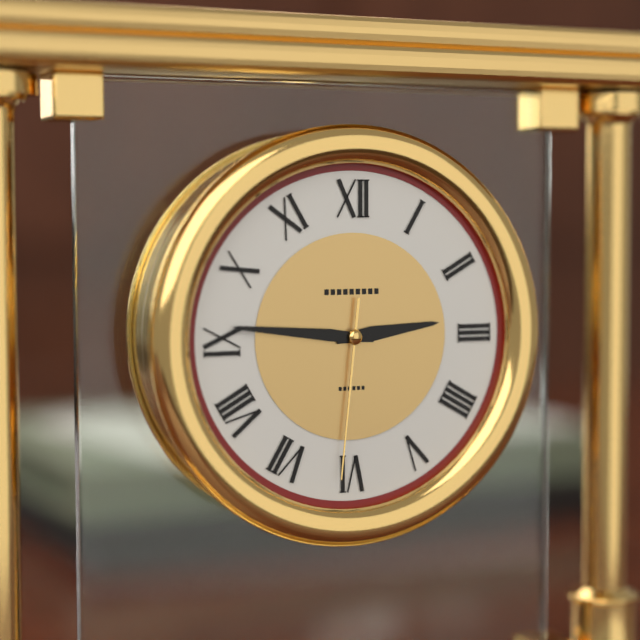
h=2 m=46 s=31
